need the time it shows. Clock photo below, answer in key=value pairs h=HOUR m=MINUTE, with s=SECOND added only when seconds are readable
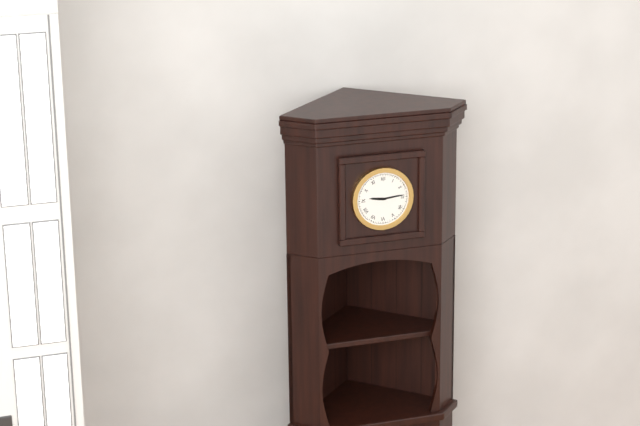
h=9 m=14
